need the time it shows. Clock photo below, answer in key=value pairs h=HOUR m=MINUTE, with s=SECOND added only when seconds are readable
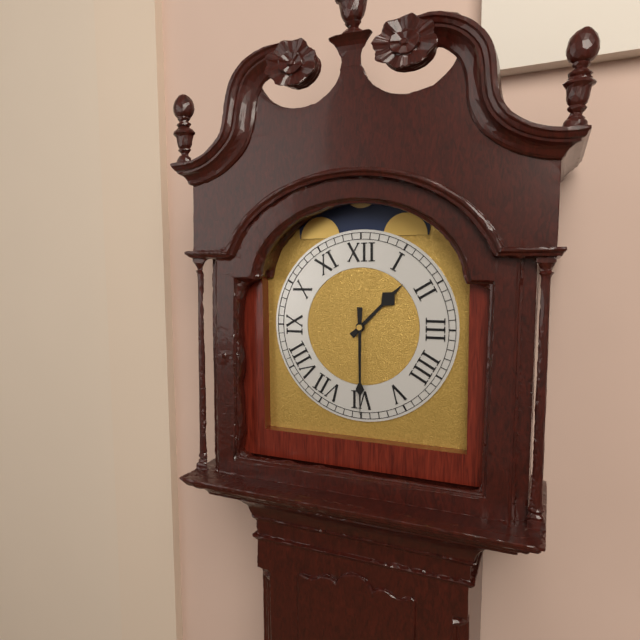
h=1 m=30
